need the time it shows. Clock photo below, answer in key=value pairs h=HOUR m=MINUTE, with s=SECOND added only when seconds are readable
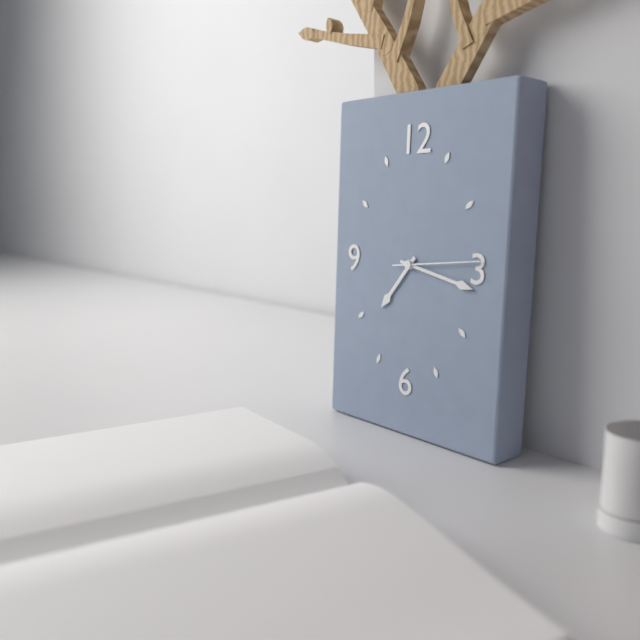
h=7 m=17 s=14
